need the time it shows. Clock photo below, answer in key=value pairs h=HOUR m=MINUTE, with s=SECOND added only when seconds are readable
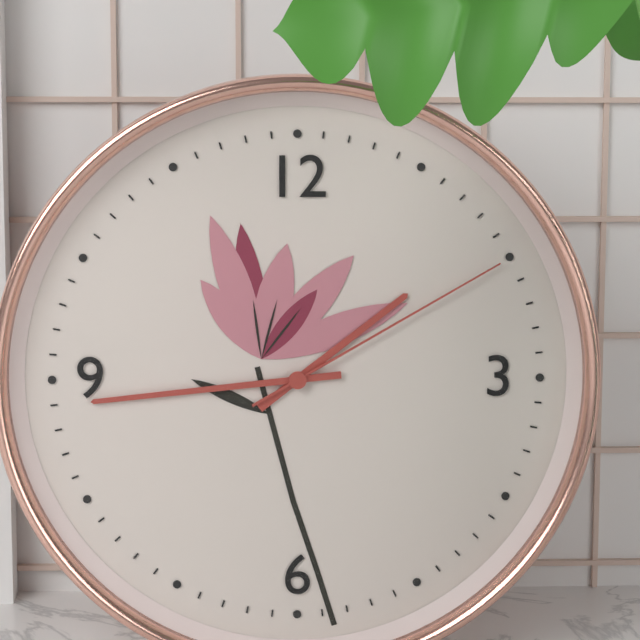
h=1 m=44 s=10
